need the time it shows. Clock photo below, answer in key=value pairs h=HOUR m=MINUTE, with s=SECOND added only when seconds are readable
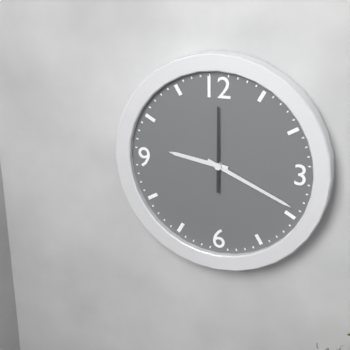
h=9 m=19 s=0
